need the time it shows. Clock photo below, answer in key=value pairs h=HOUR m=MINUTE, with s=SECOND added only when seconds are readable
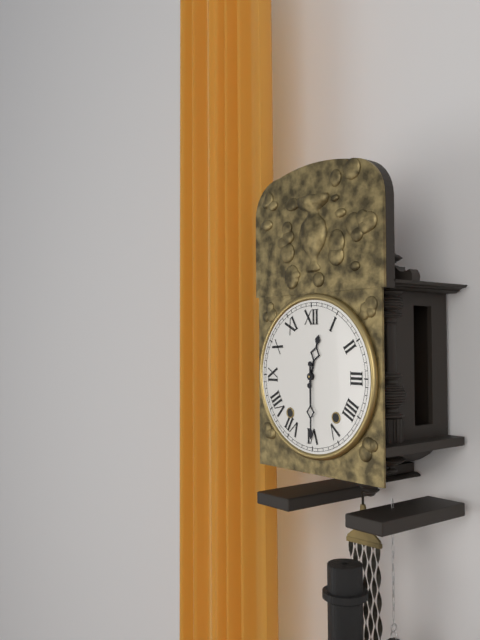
h=12 m=30
